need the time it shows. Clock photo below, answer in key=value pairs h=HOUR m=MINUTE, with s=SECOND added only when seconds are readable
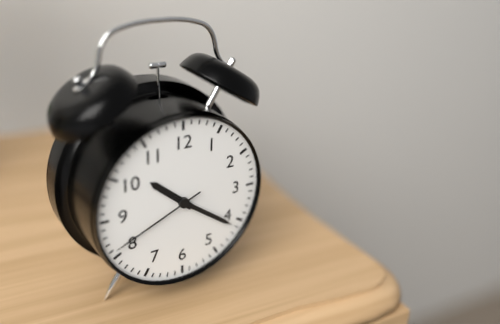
h=10 m=21 s=41
